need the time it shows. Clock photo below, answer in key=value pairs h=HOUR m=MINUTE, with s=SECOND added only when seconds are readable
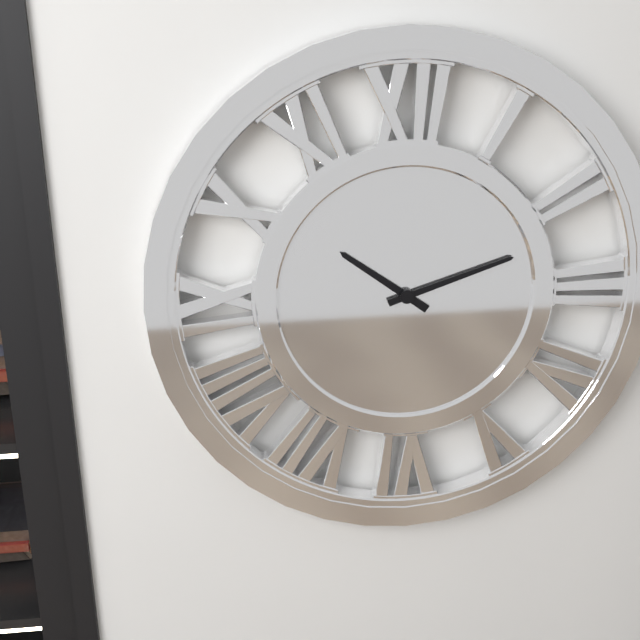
h=10 m=12
